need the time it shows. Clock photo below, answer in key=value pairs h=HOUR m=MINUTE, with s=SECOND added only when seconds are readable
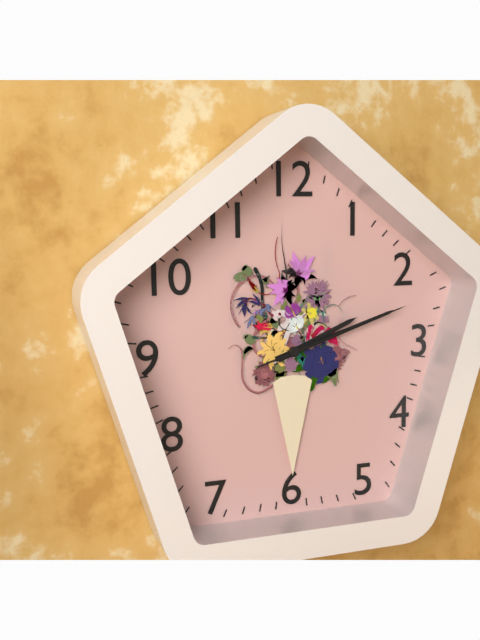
h=2 m=12 s=12
